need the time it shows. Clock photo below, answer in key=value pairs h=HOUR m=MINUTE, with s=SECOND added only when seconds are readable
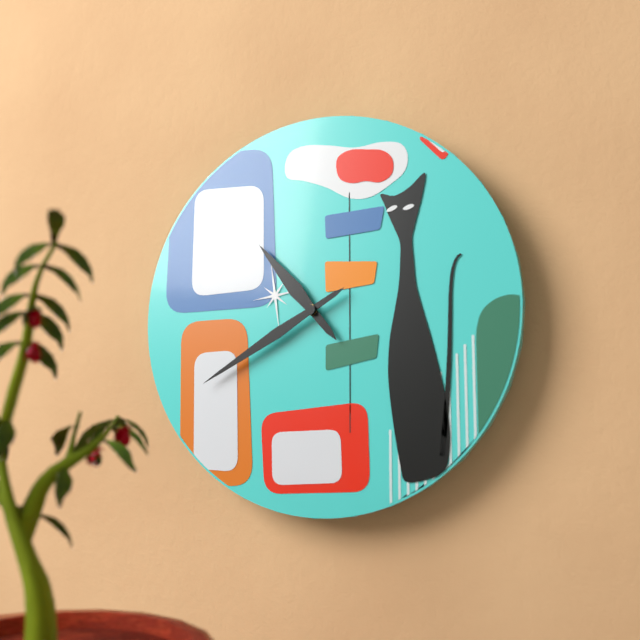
h=10 m=40
